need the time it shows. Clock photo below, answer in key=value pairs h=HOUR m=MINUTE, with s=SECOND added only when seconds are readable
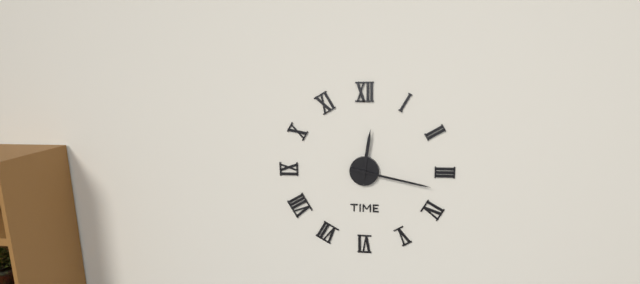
h=12 m=17
